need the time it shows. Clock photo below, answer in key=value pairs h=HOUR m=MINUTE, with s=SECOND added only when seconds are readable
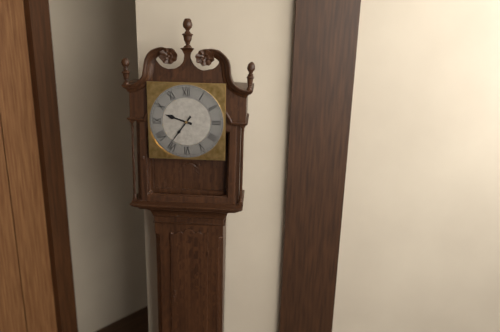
h=9 m=36
